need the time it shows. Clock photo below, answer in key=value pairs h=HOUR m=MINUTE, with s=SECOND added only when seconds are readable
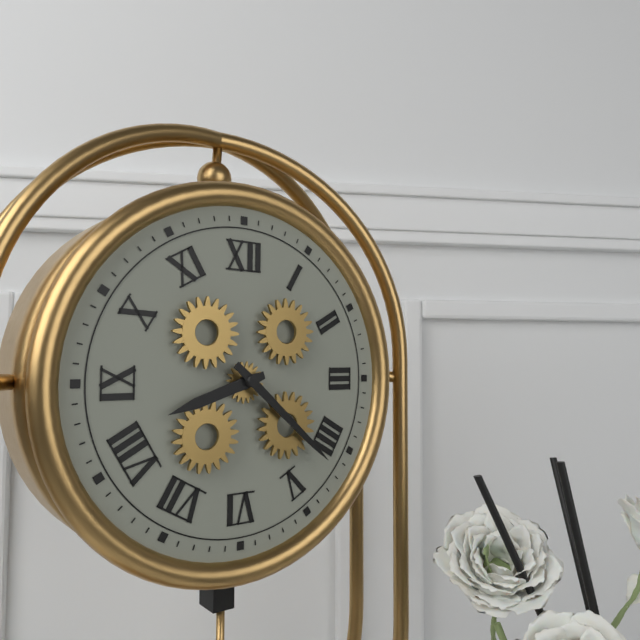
h=8 m=22
